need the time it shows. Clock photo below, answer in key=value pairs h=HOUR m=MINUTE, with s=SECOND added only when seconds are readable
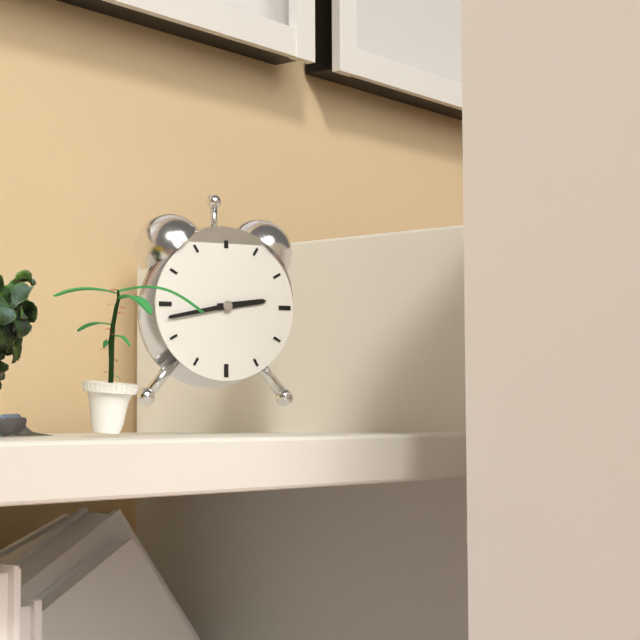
h=2 m=43
